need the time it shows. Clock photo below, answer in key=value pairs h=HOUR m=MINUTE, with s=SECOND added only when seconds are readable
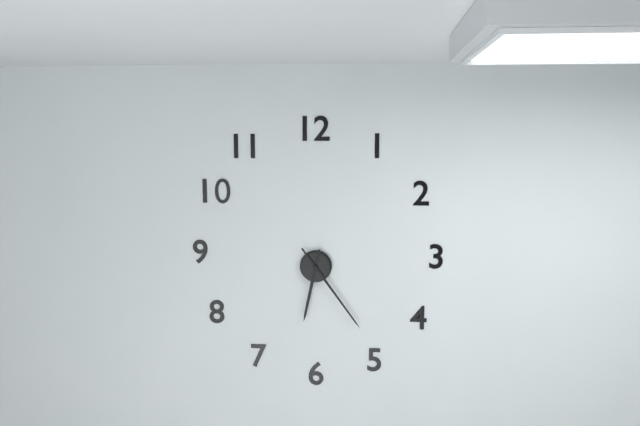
h=6 m=24
